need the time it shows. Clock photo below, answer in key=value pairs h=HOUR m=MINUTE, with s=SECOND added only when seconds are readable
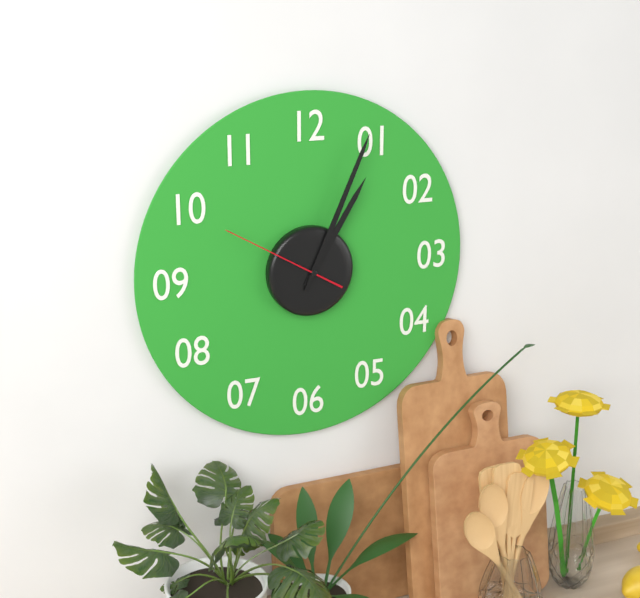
h=1 m=4 s=50
